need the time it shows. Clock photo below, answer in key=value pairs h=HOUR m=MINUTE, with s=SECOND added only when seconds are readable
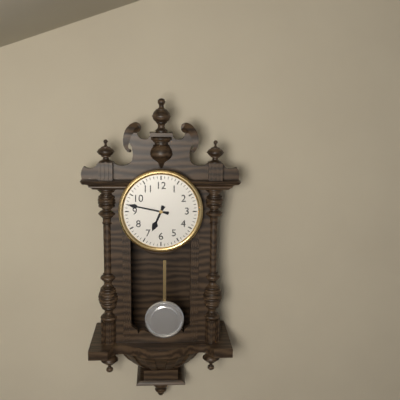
h=6 m=47
